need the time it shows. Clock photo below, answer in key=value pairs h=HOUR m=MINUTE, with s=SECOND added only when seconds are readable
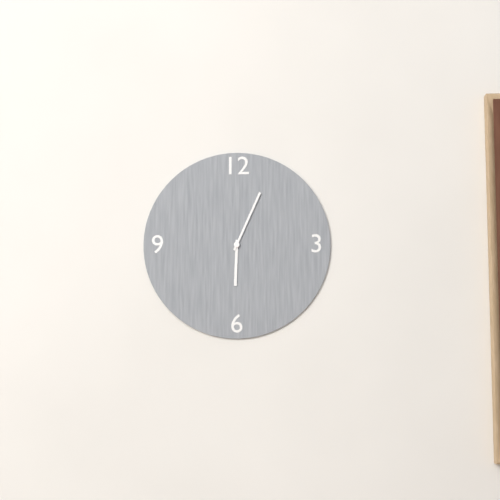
h=6 m=4
